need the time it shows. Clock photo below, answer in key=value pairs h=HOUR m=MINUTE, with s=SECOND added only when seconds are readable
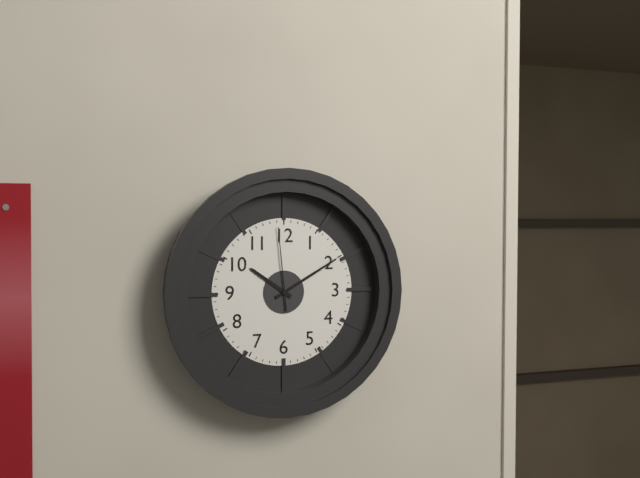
h=10 m=10 s=59
